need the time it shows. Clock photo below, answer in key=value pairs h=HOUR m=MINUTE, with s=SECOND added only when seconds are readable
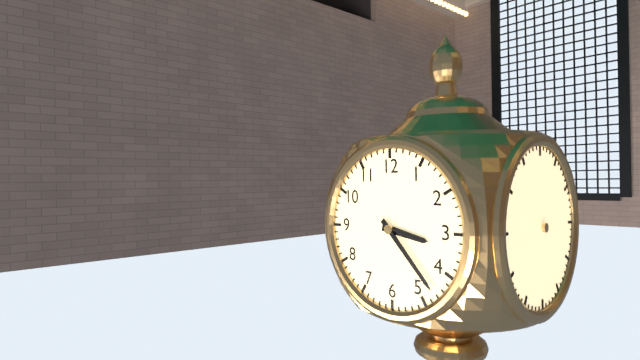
h=3 m=23
